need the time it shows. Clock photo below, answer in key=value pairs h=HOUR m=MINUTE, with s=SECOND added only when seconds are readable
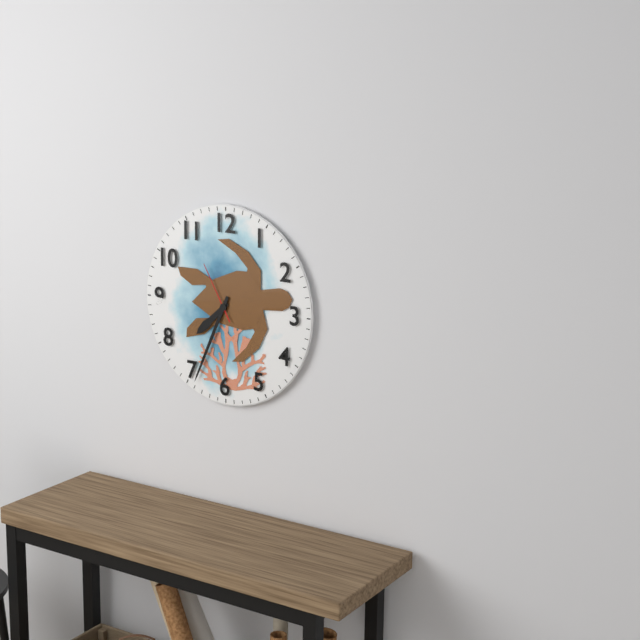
h=7 m=34 s=55
